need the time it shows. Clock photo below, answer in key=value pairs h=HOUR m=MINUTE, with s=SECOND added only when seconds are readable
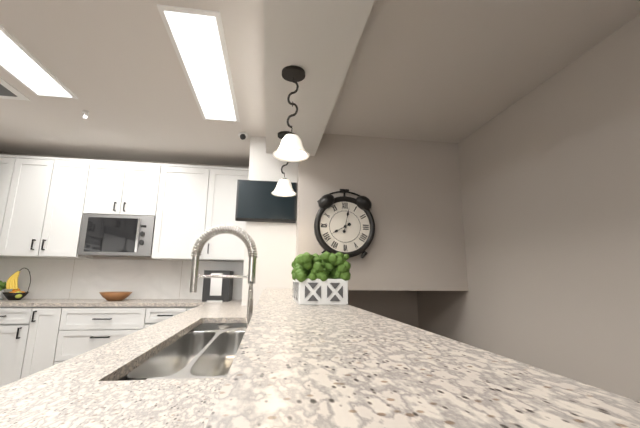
h=8 m=2
